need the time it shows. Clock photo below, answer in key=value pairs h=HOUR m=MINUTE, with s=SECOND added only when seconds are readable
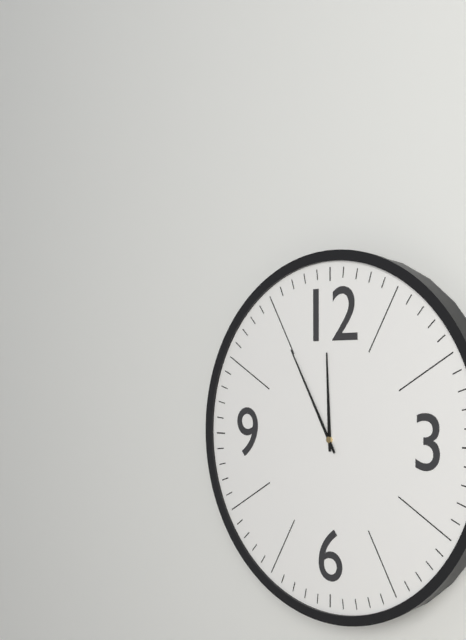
h=11 m=55
